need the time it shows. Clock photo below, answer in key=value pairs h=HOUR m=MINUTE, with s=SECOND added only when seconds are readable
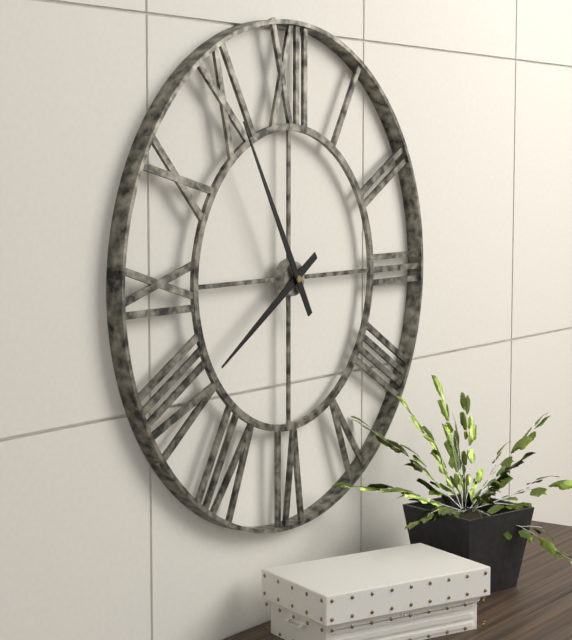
h=7 m=55
